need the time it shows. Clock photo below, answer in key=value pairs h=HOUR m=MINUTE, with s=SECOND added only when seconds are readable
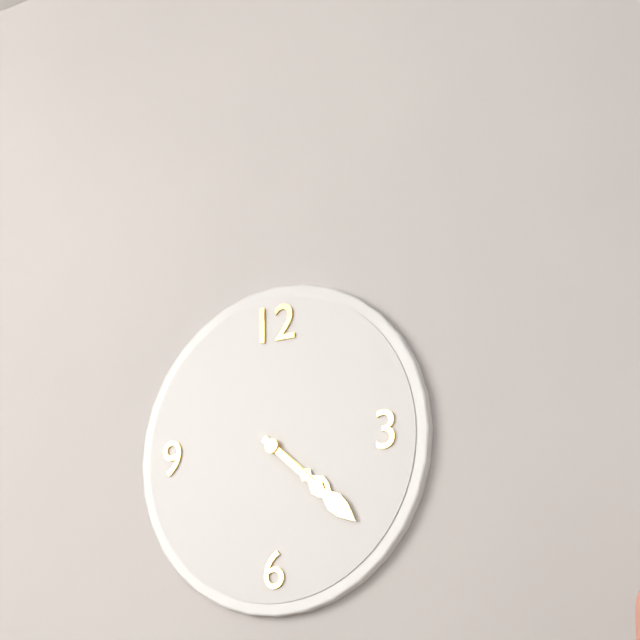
h=4 m=22
